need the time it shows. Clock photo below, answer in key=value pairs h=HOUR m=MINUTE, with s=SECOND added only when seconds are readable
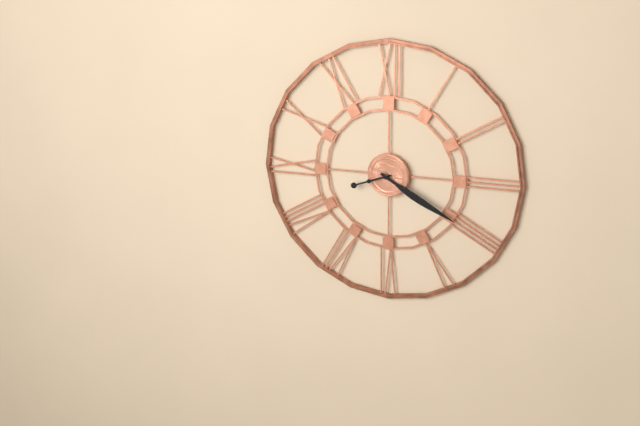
h=8 m=20
